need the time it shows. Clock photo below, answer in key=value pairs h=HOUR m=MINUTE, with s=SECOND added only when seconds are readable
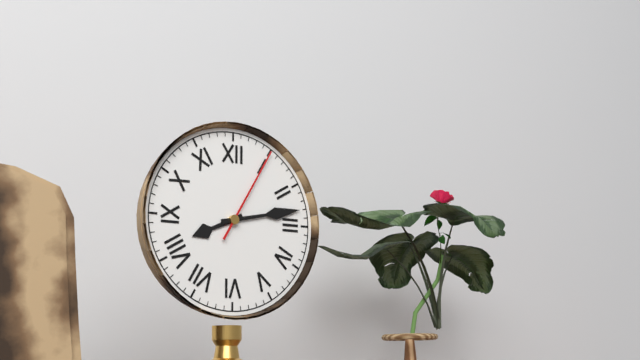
h=8 m=13 s=5
